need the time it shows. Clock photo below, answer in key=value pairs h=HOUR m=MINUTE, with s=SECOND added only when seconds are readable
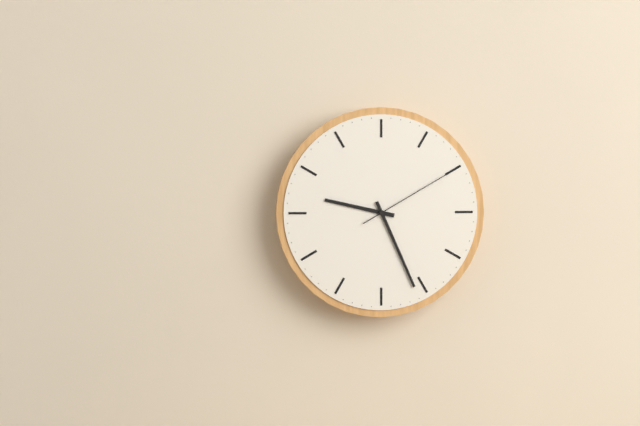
h=9 m=26 s=10
